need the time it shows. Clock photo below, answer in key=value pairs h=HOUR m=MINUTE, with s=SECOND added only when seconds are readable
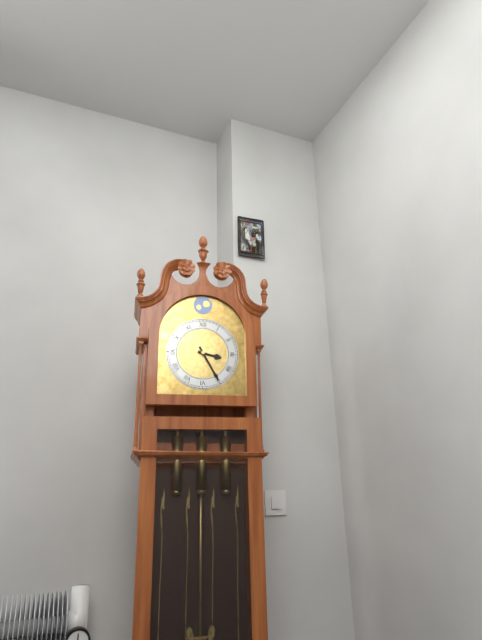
h=3 m=25
